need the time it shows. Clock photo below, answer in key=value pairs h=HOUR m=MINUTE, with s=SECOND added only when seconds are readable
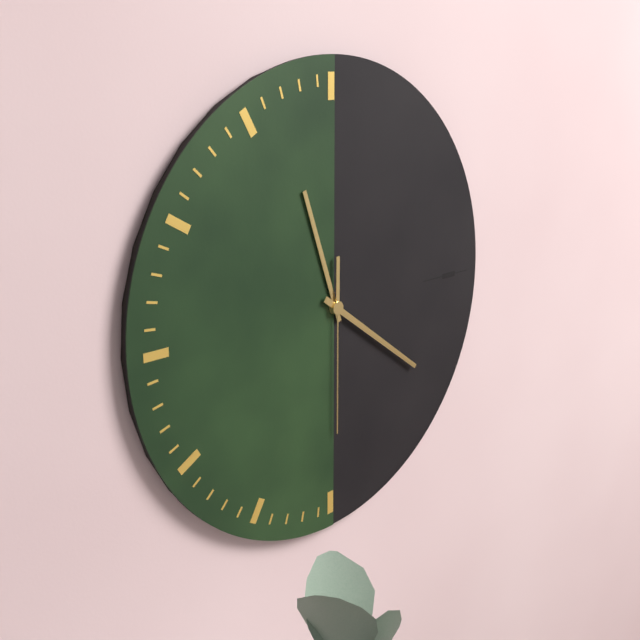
h=11 m=21 s=30
